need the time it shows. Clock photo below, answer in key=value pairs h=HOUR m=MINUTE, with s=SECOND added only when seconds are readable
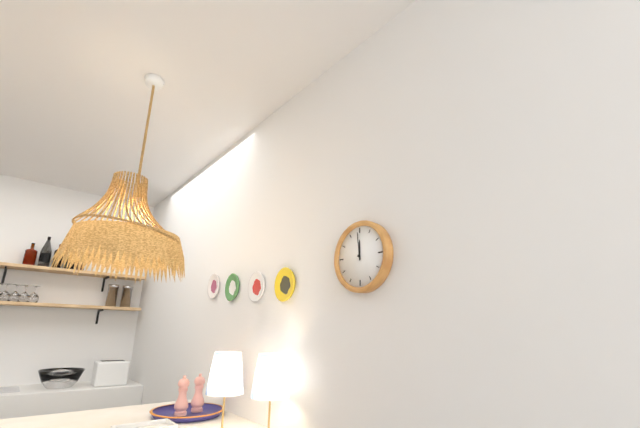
h=11 m=59
